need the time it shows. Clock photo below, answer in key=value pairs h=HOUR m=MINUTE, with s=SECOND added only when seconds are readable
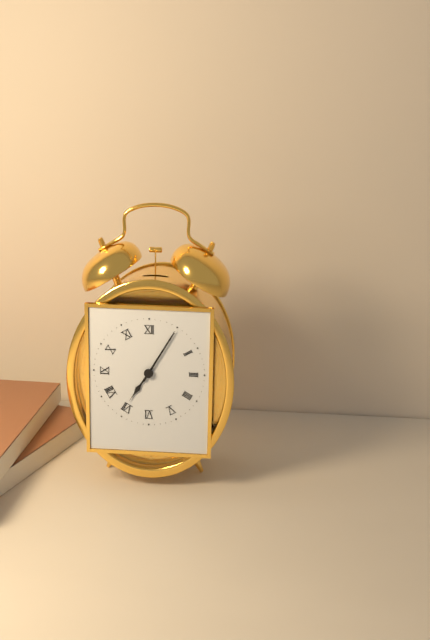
h=7 m=5
